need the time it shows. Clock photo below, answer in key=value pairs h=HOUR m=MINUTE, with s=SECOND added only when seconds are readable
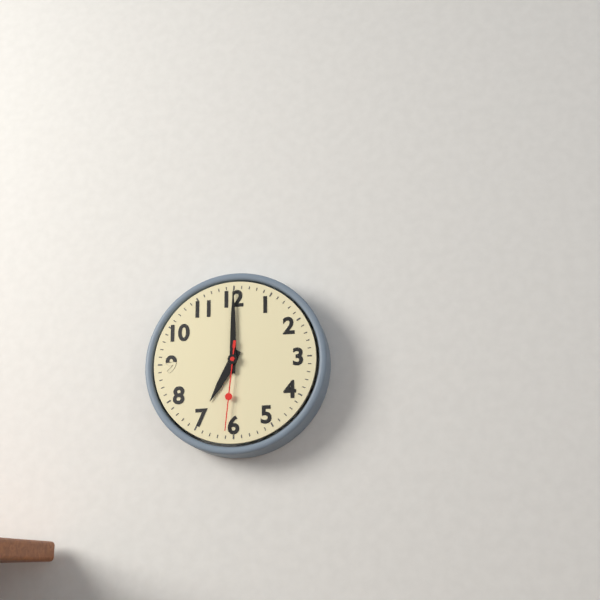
h=7 m=0 s=31
